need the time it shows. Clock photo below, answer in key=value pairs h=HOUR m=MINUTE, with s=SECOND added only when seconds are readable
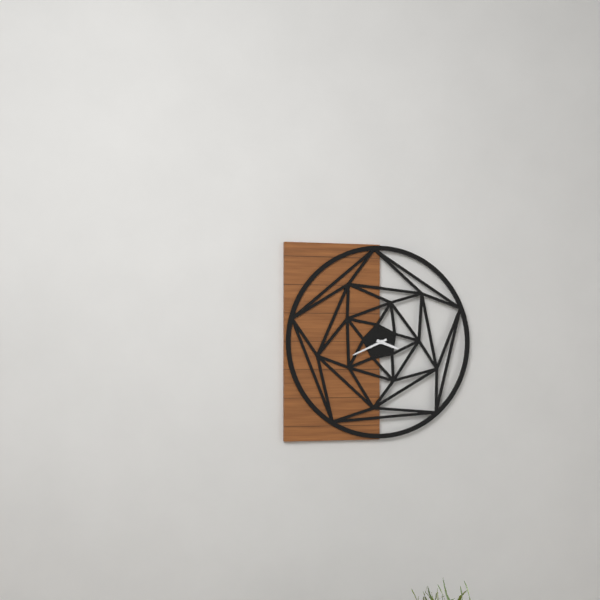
h=3 m=41
